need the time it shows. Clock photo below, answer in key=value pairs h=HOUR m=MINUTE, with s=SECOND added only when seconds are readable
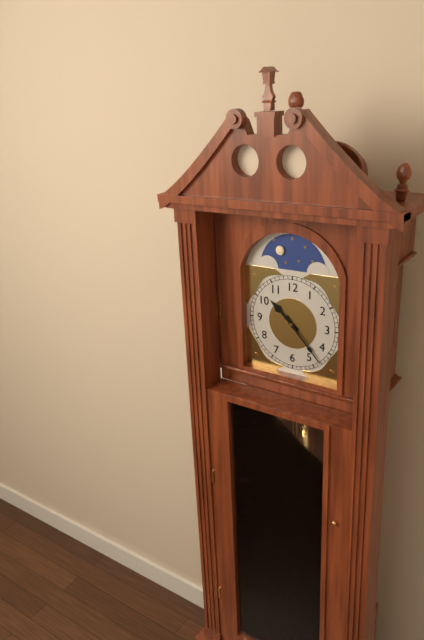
h=10 m=23
